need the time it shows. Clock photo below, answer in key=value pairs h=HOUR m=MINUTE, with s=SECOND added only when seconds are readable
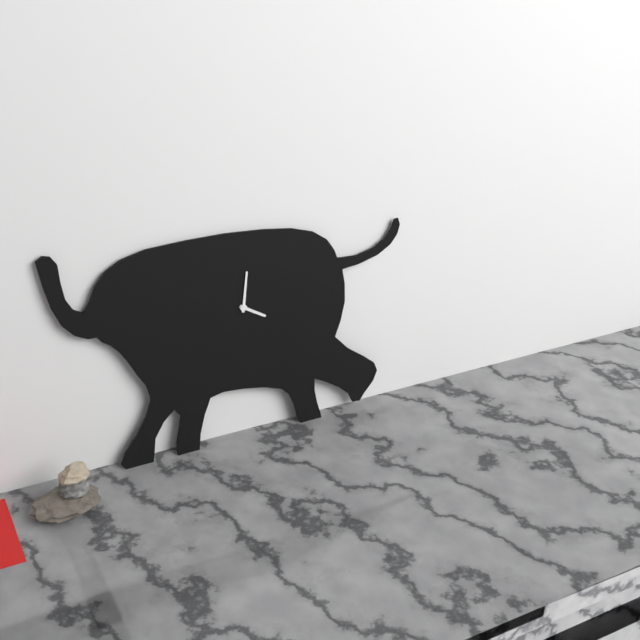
h=4 m=1
